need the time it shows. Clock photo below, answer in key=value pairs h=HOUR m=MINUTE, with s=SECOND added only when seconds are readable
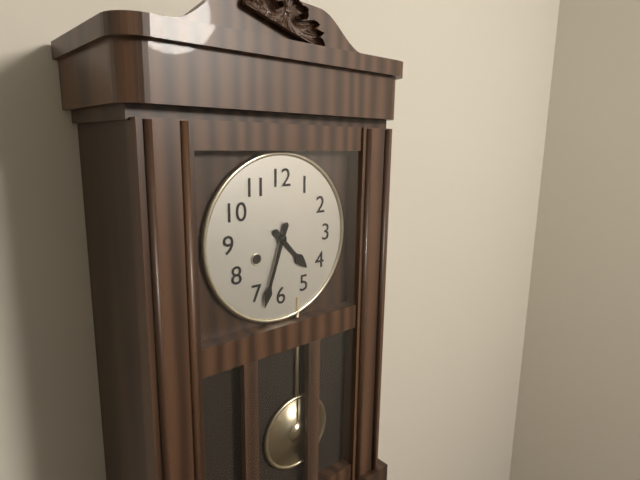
h=4 m=33
